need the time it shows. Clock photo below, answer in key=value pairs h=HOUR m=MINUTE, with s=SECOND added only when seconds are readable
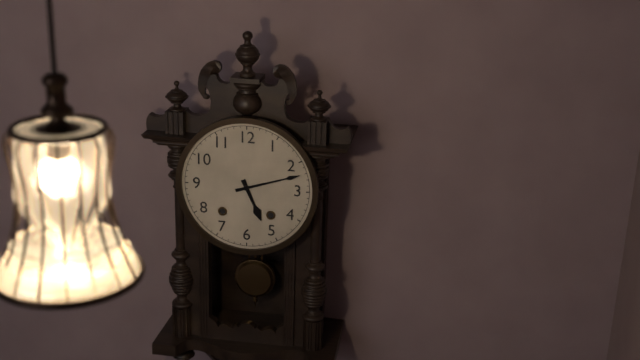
h=5 m=12
